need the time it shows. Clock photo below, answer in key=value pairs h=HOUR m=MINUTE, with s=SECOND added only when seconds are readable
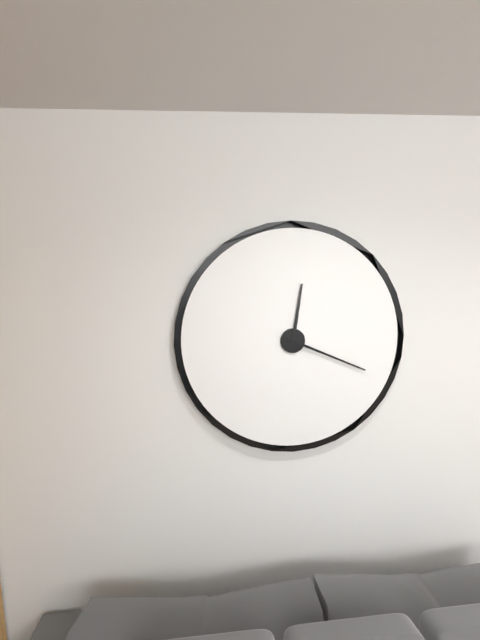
h=12 m=19
